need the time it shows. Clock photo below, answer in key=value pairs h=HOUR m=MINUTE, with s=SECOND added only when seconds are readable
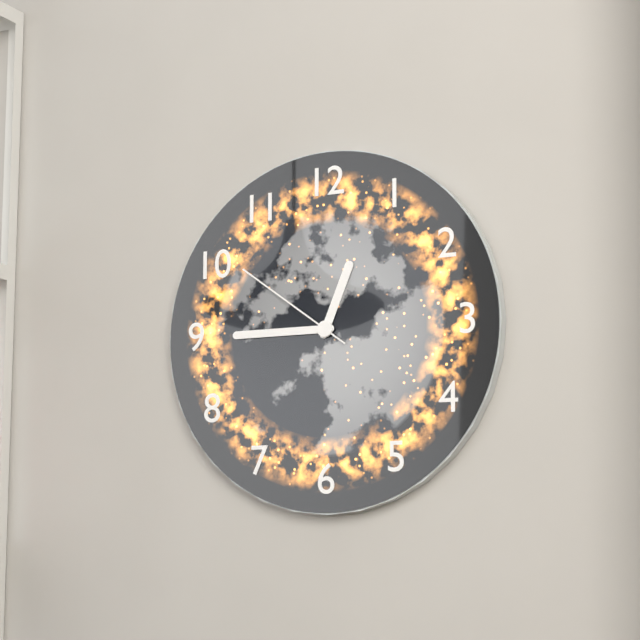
h=12 m=45 s=51
